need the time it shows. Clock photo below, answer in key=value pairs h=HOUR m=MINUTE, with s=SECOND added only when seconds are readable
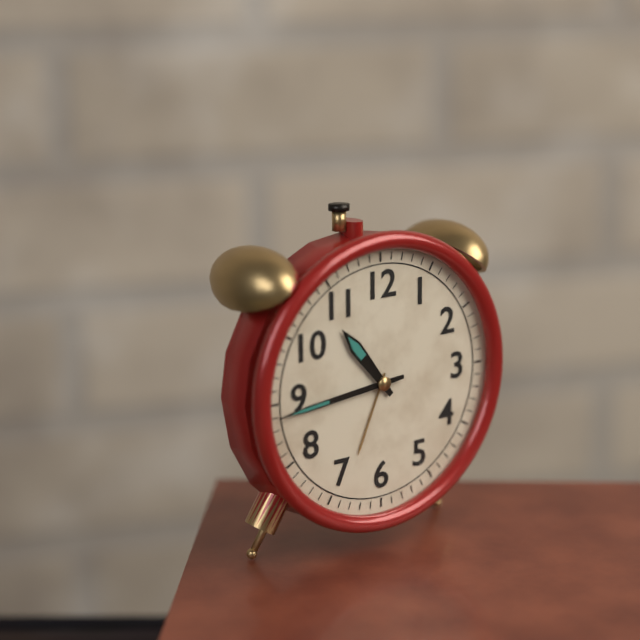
h=10 m=44
